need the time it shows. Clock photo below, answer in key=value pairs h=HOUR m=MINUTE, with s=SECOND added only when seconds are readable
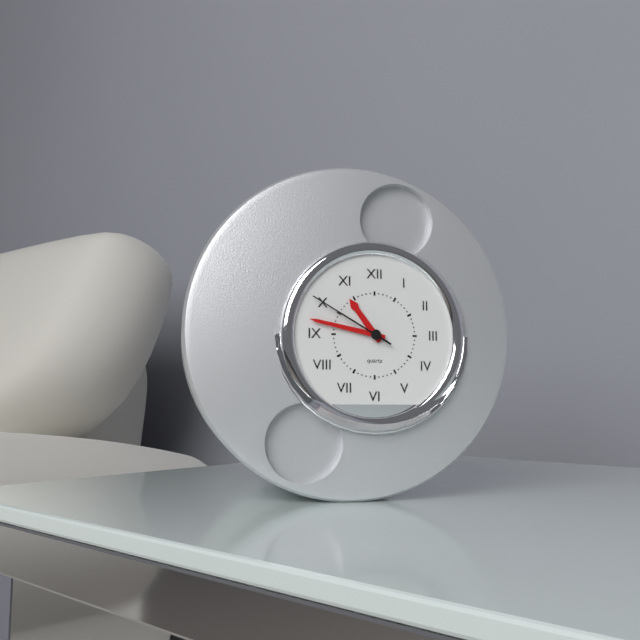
h=10 m=47 s=50
